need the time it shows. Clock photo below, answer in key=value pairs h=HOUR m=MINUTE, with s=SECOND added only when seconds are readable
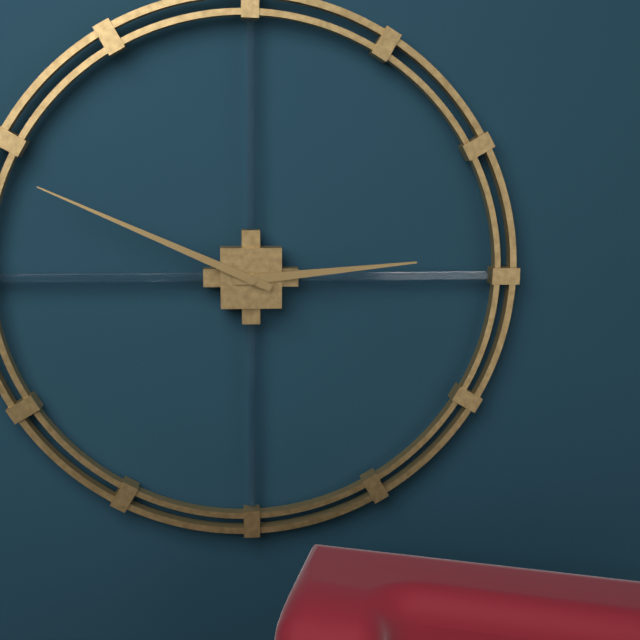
h=2 m=49
